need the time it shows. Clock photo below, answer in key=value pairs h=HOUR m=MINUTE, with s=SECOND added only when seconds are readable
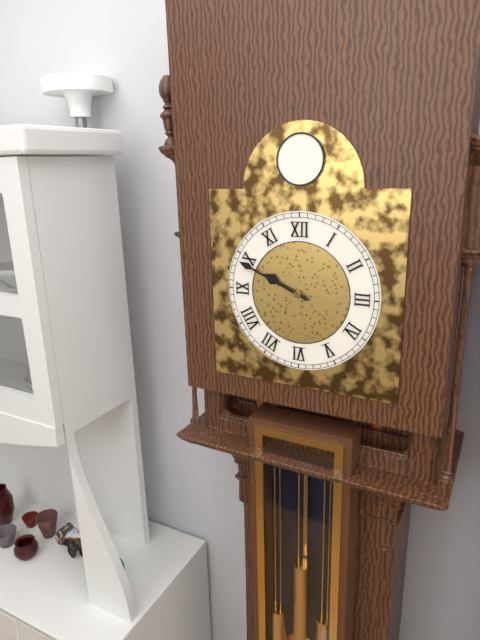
h=9 m=49
